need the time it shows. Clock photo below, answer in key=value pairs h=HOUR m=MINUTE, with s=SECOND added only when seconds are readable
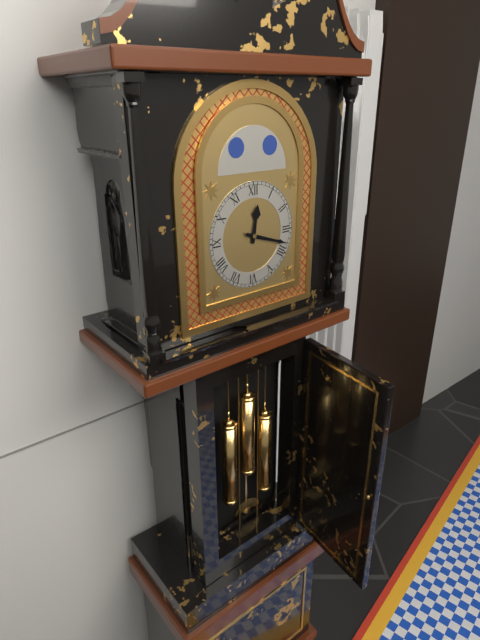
h=12 m=18
